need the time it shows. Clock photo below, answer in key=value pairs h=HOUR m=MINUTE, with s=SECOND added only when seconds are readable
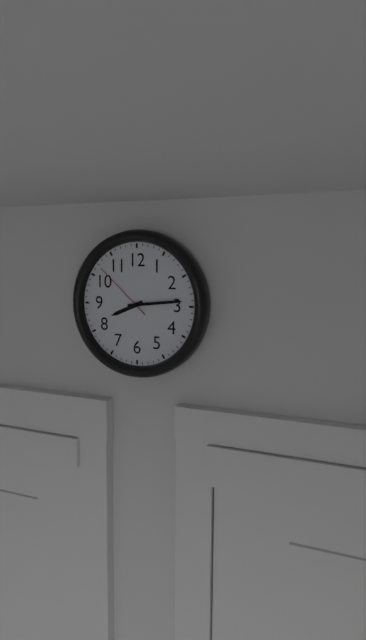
h=8 m=14 s=52
